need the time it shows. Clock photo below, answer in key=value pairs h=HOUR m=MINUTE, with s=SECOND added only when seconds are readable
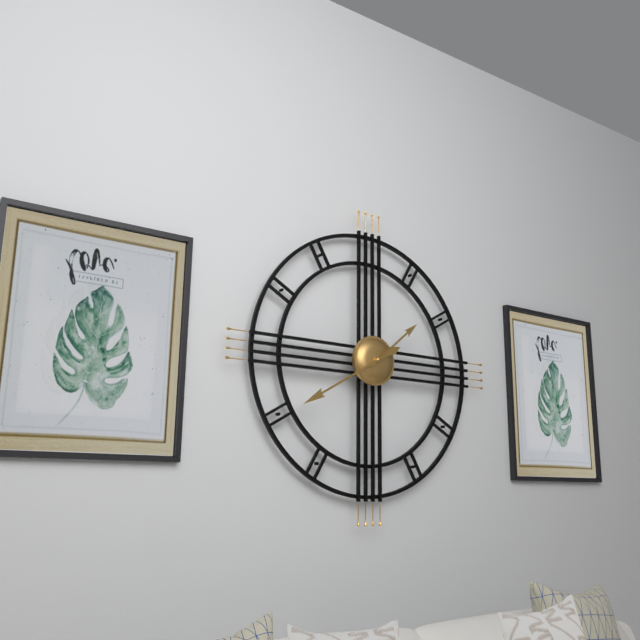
h=1 m=40
